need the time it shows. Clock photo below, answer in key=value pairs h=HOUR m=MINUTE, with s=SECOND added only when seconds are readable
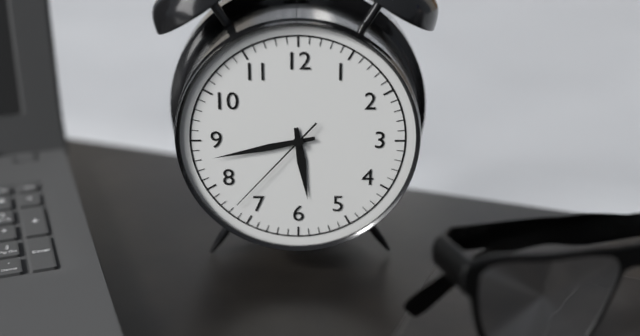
h=5 m=43 s=37
